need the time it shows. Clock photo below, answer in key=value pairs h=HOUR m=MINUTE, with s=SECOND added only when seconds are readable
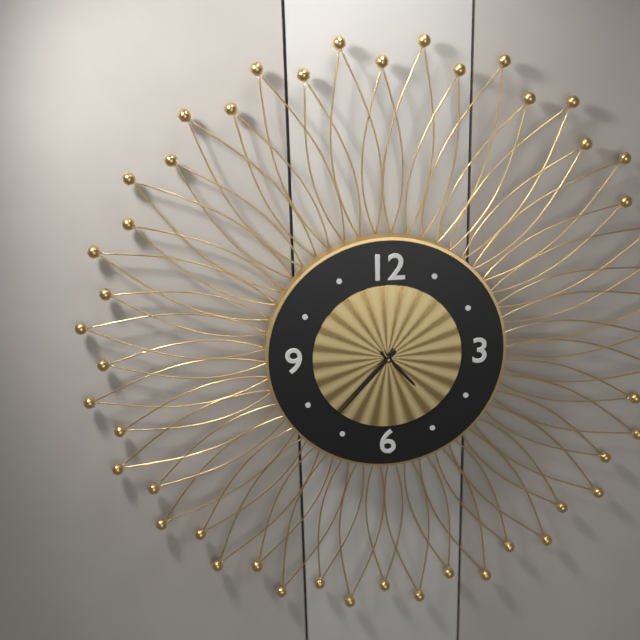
h=4 m=37 s=55
